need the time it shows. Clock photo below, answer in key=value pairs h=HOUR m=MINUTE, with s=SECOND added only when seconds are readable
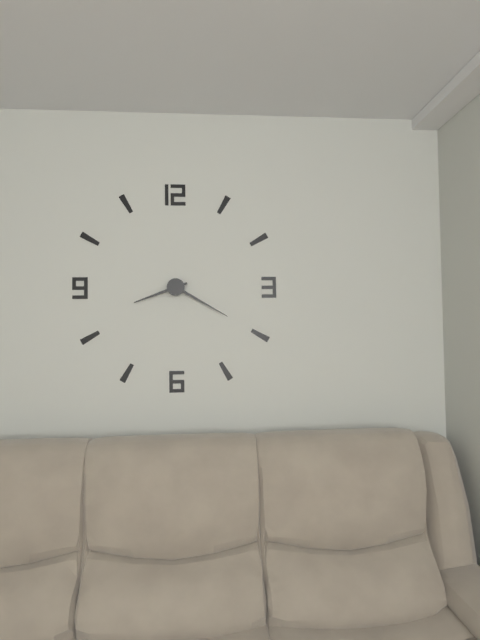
h=8 m=20
